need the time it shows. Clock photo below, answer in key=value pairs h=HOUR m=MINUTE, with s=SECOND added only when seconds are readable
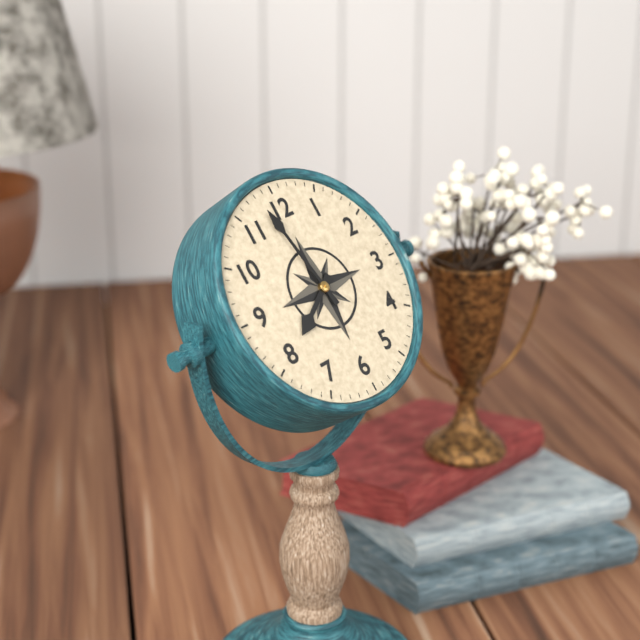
h=7 m=58
